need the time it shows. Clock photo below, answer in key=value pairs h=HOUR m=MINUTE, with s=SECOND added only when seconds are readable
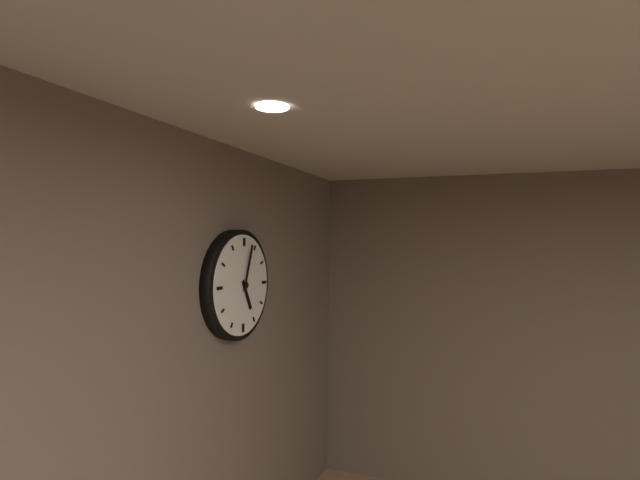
h=5 m=3
